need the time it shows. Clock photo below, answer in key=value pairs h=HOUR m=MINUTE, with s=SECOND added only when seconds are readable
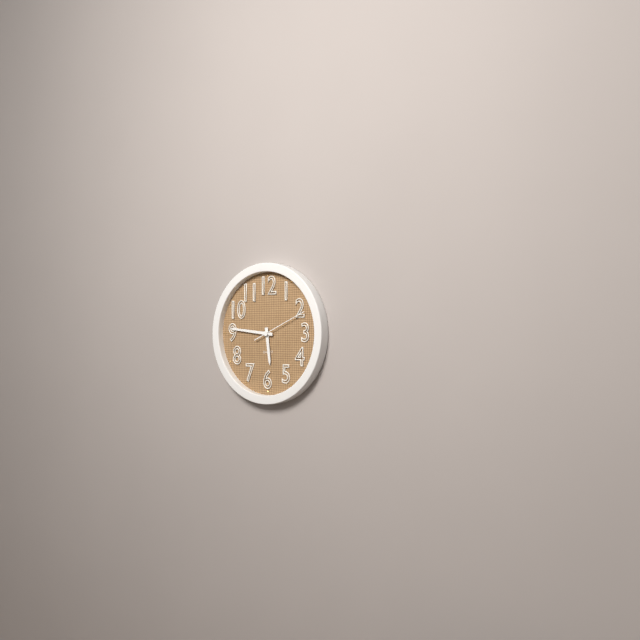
h=5 m=46 s=11
